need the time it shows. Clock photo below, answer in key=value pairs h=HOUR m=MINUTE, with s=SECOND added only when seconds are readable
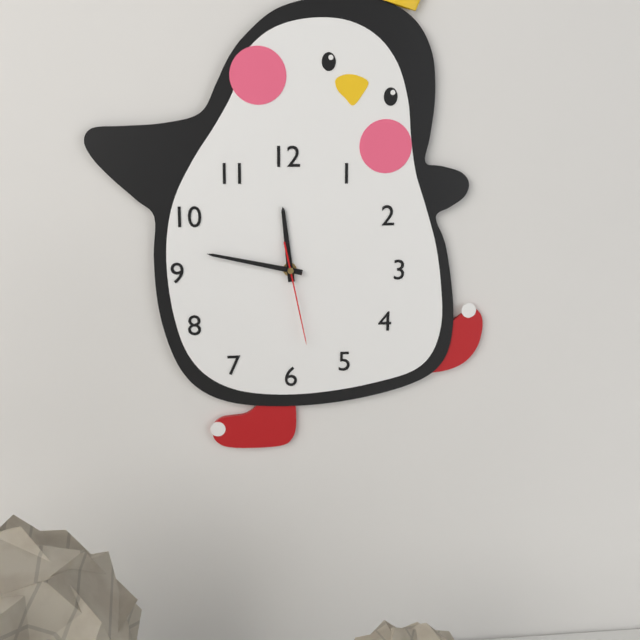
h=11 m=47 s=28
